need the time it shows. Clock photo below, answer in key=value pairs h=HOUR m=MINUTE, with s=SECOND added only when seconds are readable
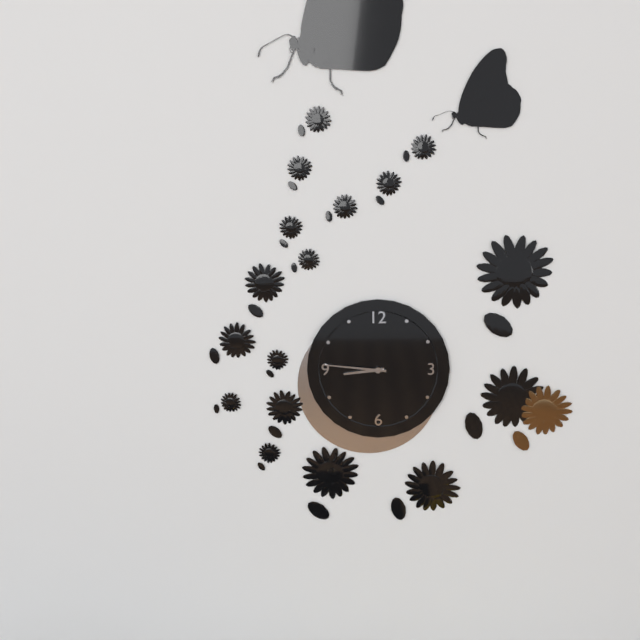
h=8 m=46
